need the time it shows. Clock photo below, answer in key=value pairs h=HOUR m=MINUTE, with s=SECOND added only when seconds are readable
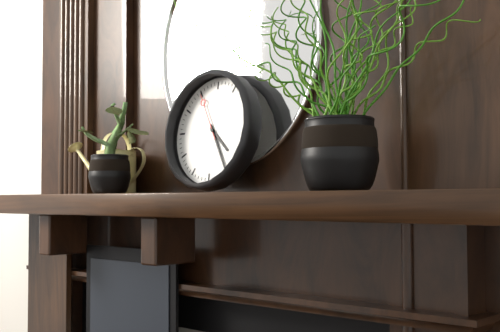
h=4 m=25 s=55
